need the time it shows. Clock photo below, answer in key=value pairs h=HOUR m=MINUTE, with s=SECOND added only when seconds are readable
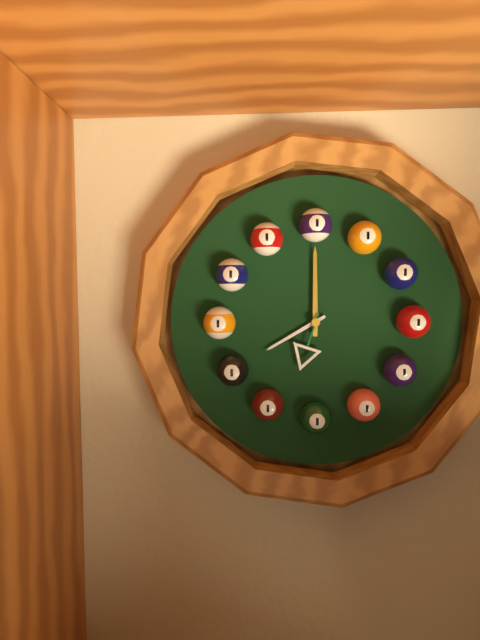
h=8 m=0 s=33
